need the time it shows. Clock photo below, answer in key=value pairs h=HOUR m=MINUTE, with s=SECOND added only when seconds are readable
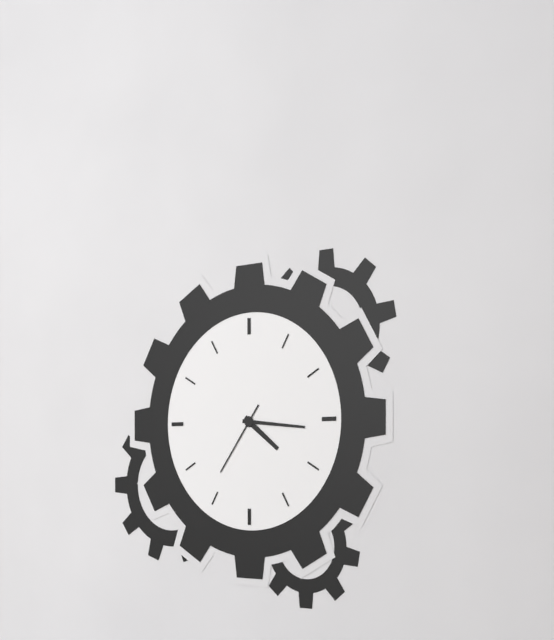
h=4 m=16 s=36
